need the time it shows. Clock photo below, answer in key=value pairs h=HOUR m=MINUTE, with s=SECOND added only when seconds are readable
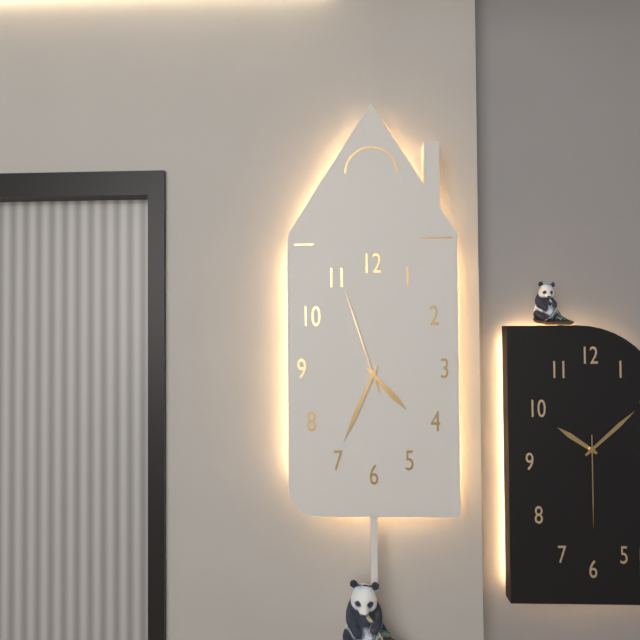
h=4 m=34 s=57
